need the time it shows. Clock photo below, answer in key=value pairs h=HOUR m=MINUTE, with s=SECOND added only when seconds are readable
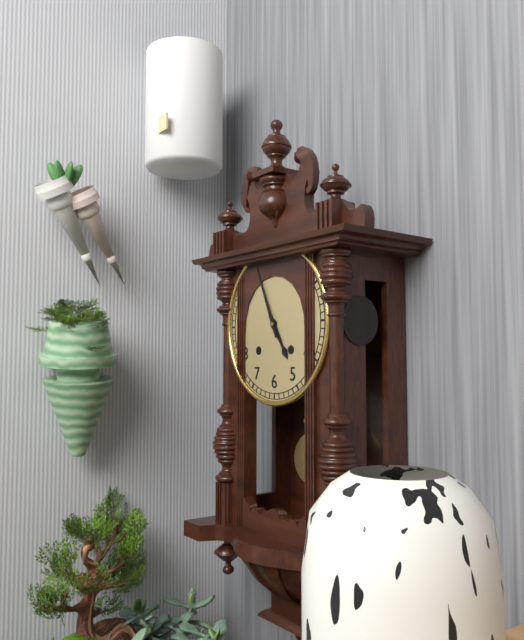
h=4 m=56
